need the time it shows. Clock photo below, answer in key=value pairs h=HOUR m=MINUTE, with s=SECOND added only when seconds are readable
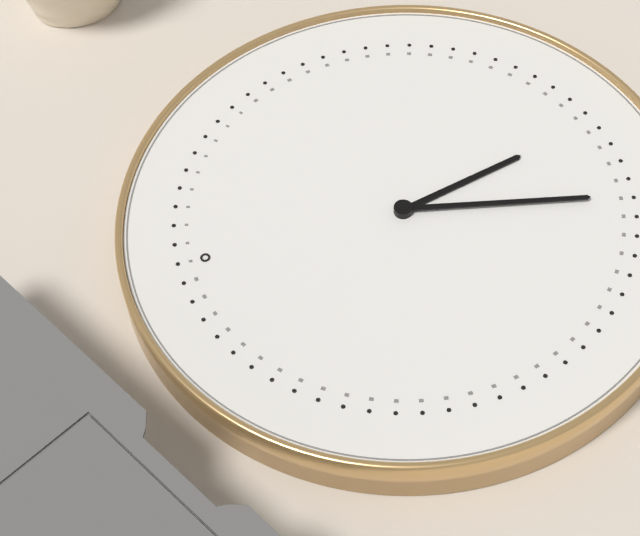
h=5 m=32
